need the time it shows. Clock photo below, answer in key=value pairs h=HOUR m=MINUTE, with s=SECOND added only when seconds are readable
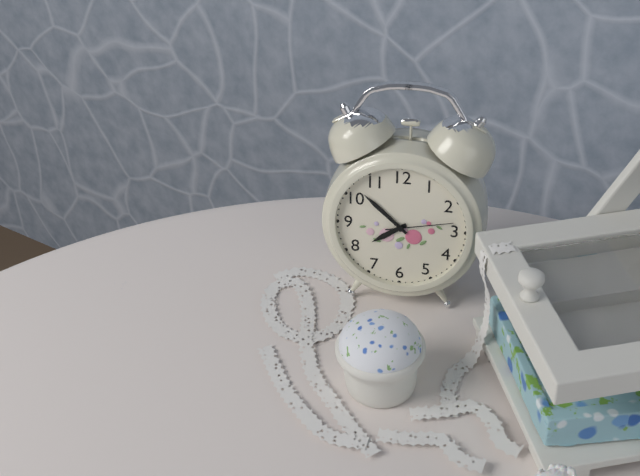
h=7 m=52 s=13
